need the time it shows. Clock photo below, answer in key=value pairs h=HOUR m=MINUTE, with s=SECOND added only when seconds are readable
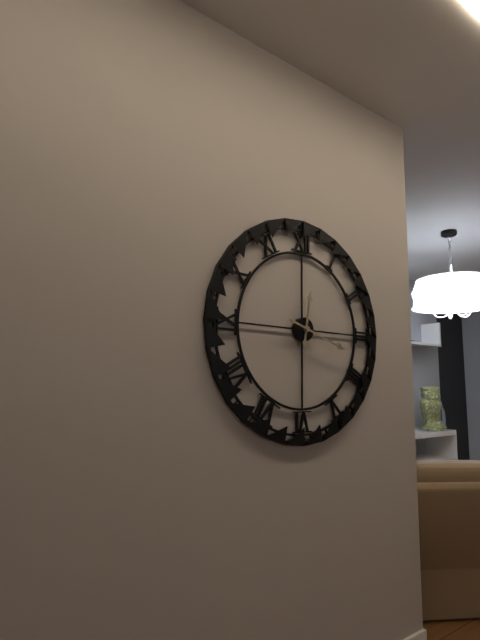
h=12 m=18
